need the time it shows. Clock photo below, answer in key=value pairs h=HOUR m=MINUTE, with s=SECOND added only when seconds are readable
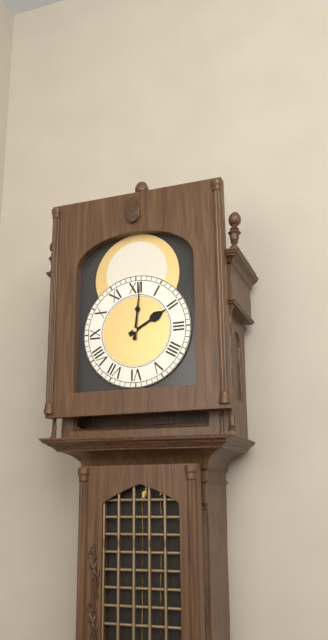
h=2 m=1
